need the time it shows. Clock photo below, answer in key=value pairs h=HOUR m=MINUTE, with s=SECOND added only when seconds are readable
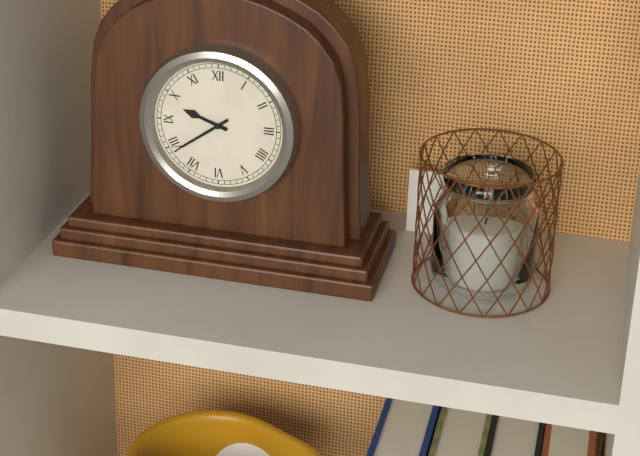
h=9 m=39
